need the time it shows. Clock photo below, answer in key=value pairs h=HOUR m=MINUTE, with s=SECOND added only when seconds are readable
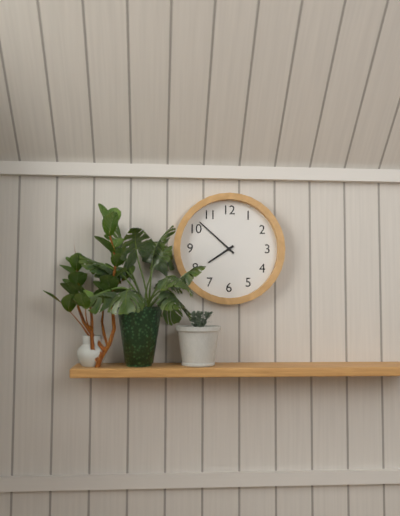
h=7 m=52
